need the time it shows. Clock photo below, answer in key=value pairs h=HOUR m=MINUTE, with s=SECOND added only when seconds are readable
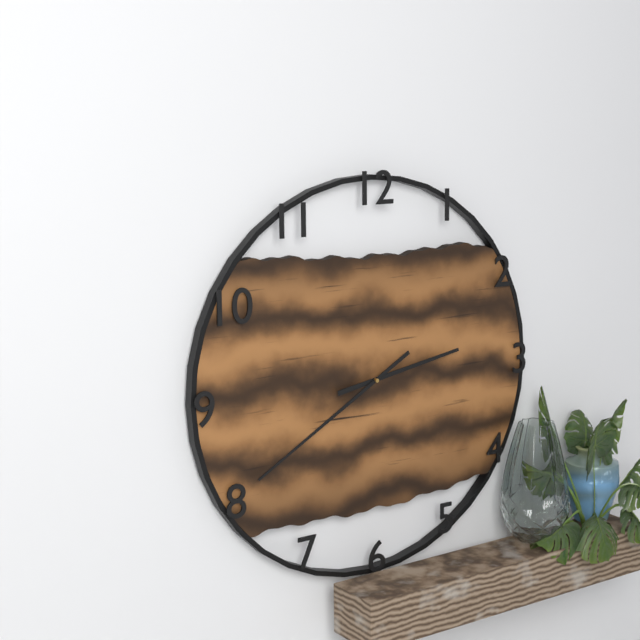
h=2 m=40
